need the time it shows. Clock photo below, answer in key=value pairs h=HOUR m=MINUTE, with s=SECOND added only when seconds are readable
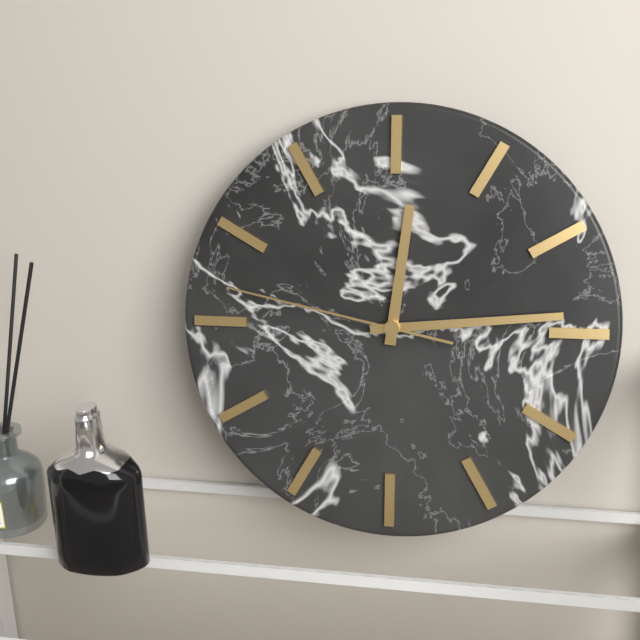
h=12 m=14 s=47
